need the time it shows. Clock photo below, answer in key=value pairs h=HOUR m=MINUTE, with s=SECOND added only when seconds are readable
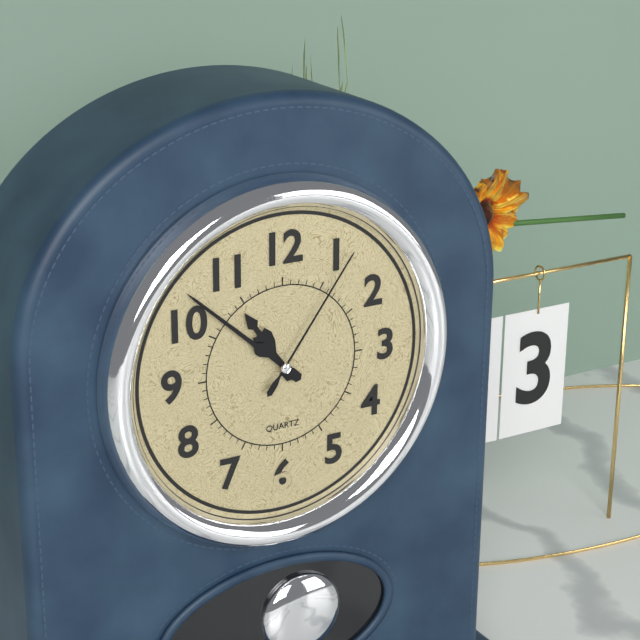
h=10 m=52 s=6
